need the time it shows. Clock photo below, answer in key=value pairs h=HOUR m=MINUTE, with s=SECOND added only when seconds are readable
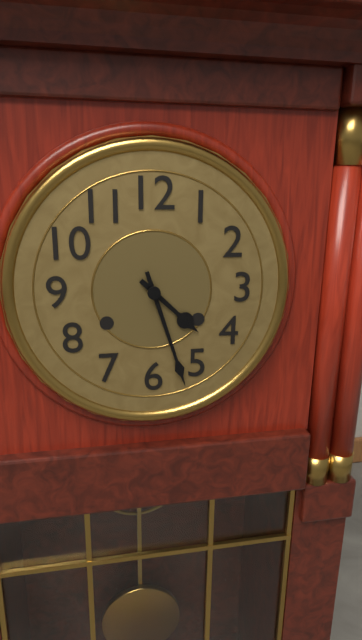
h=4 m=27
